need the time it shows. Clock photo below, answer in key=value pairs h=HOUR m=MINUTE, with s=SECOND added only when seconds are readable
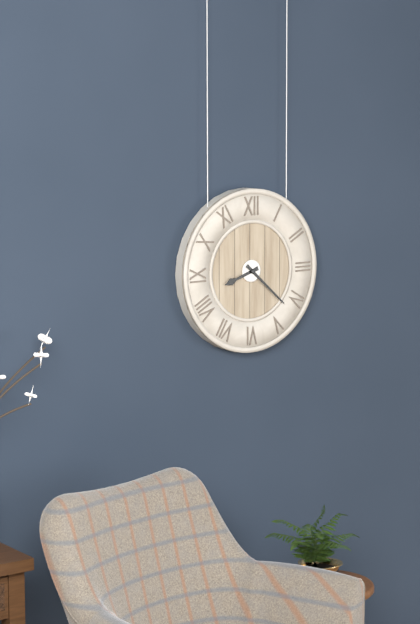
h=8 m=22
